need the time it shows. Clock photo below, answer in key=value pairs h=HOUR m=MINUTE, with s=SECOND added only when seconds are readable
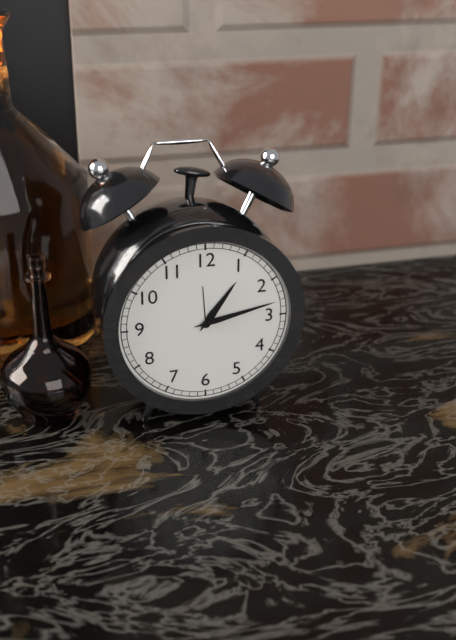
h=1 m=13
